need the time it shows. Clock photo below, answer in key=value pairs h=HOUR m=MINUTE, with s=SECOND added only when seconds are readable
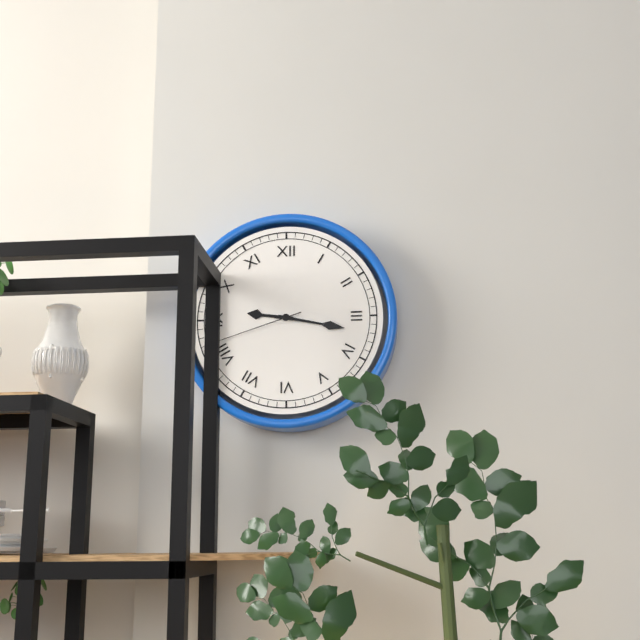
h=9 m=17 s=42
